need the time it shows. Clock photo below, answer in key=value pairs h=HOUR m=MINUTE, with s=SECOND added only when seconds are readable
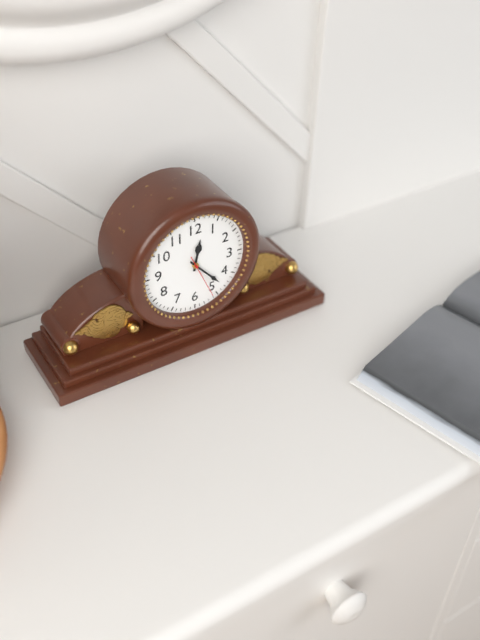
h=12 m=23
